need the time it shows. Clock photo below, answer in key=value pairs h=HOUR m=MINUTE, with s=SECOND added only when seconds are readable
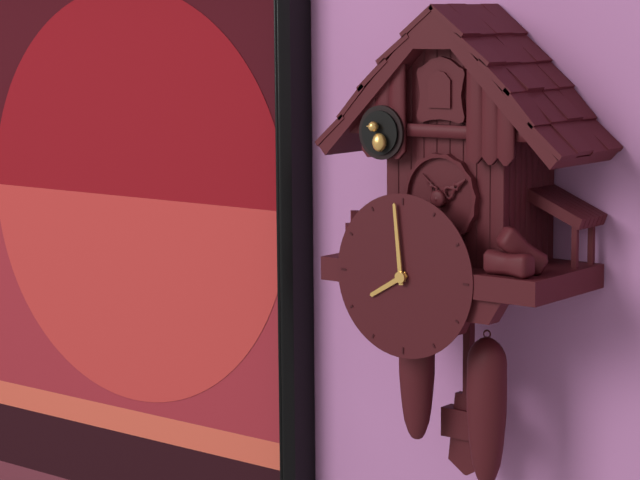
h=7 m=59
